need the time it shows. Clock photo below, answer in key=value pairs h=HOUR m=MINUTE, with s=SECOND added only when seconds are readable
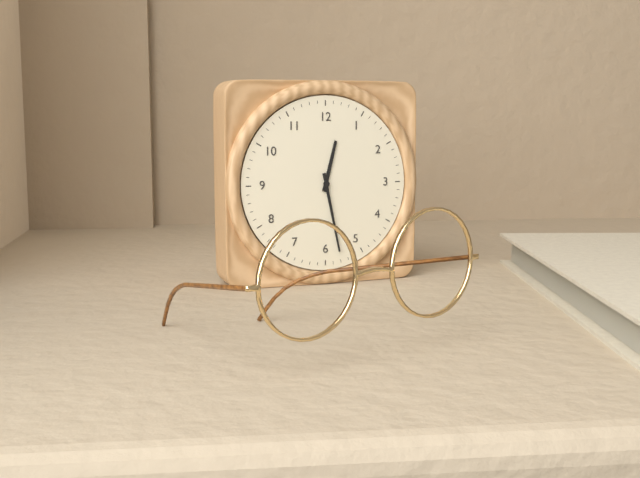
h=12 m=28
